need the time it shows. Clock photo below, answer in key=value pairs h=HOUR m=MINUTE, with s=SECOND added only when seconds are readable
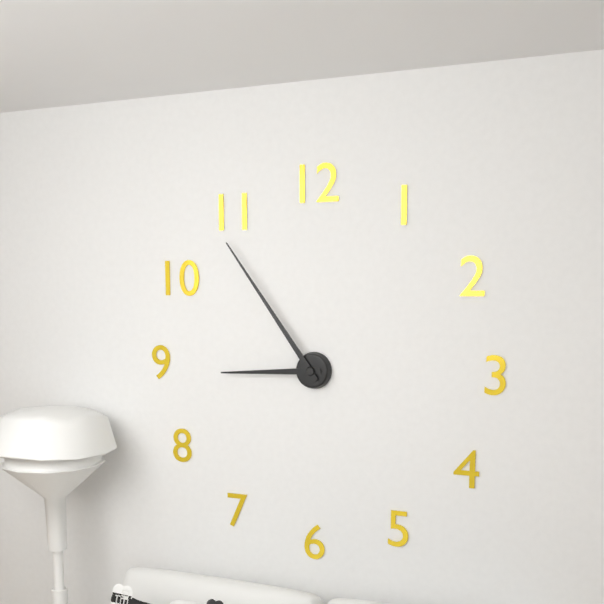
h=8 m=54
